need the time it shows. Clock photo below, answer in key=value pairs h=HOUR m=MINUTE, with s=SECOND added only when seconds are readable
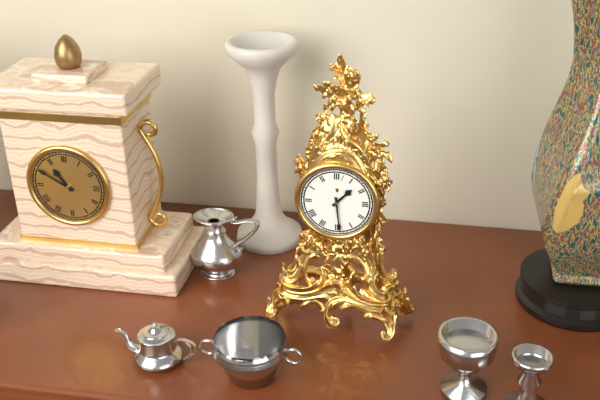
h=1 m=29
